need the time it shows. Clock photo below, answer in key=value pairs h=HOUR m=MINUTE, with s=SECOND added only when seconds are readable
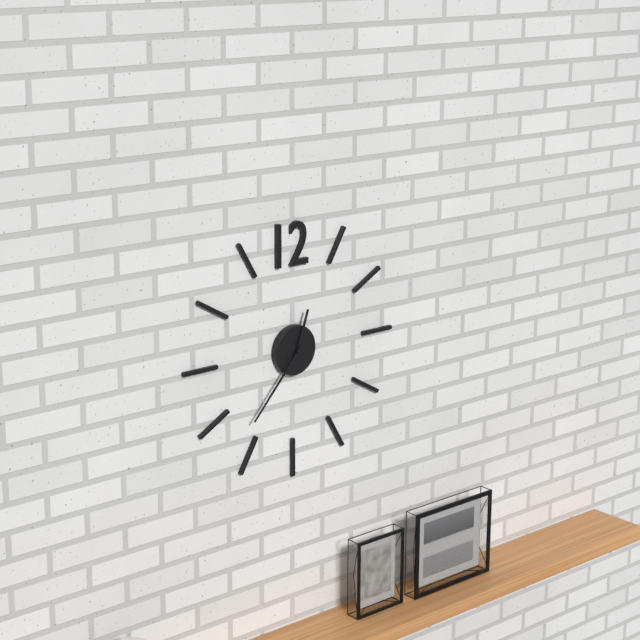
h=12 m=37
